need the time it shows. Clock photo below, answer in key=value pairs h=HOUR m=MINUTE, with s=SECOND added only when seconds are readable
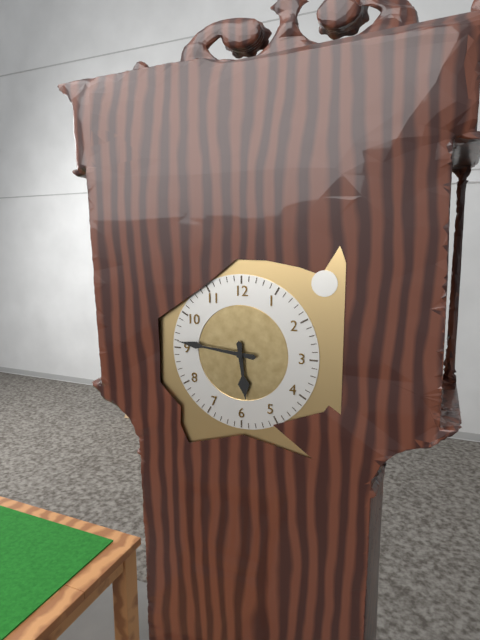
h=5 m=46
